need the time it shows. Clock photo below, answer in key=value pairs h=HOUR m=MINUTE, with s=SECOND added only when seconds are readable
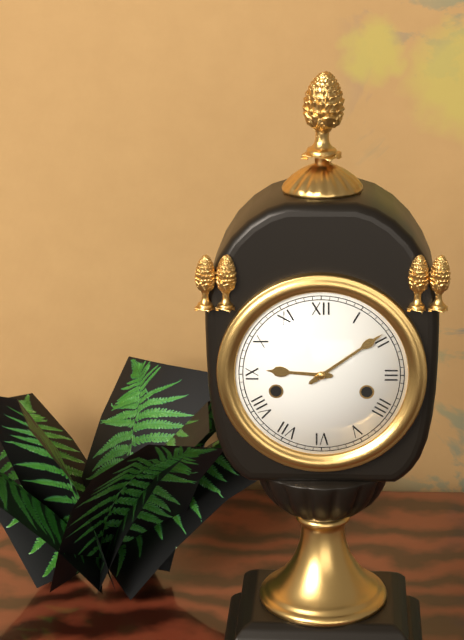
h=9 m=9
